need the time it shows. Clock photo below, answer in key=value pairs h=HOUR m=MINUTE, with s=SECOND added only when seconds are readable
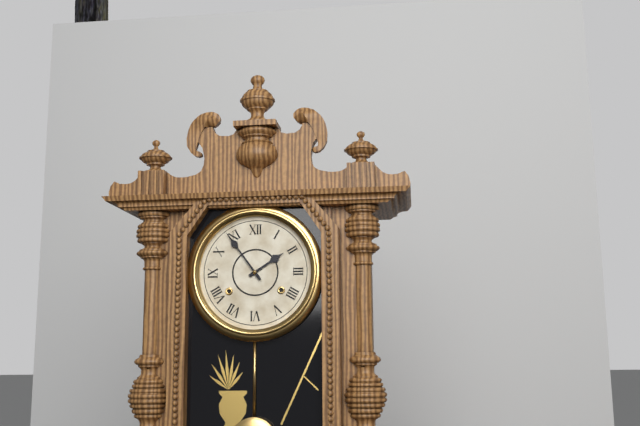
h=1 m=54
